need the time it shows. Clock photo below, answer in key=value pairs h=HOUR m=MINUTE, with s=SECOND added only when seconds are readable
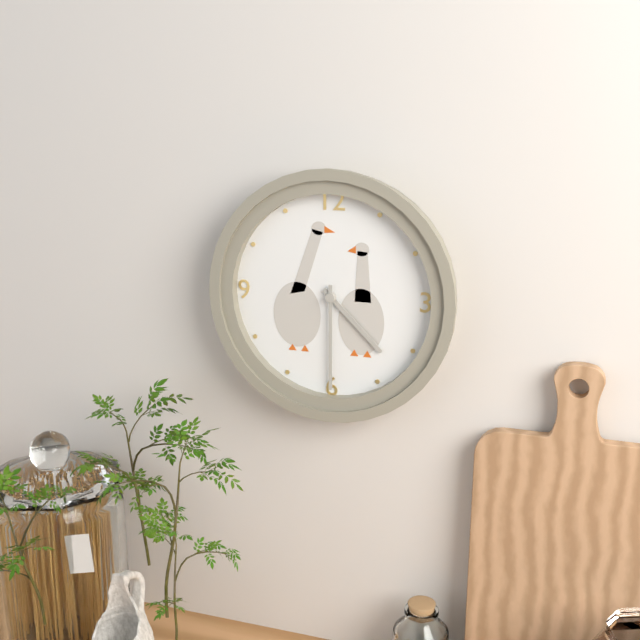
h=4 m=30
